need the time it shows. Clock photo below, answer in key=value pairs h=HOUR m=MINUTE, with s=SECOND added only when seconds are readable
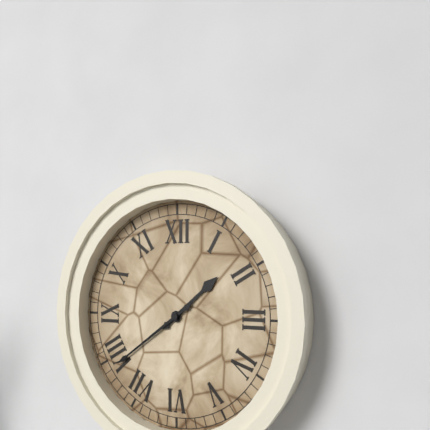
h=1 m=39
